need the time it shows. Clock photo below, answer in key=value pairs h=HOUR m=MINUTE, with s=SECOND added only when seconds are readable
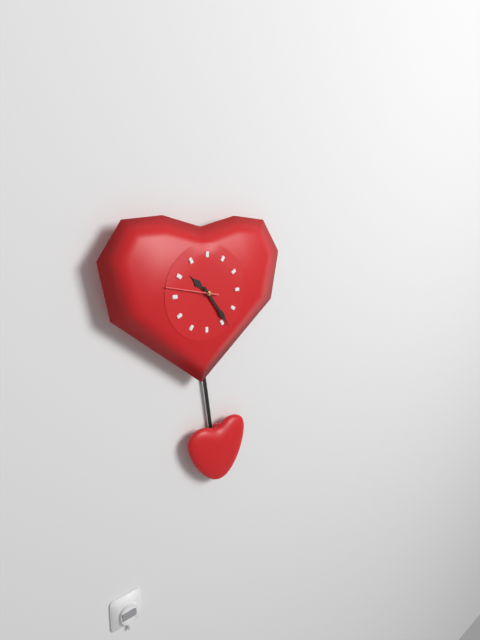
h=10 m=24 s=47
